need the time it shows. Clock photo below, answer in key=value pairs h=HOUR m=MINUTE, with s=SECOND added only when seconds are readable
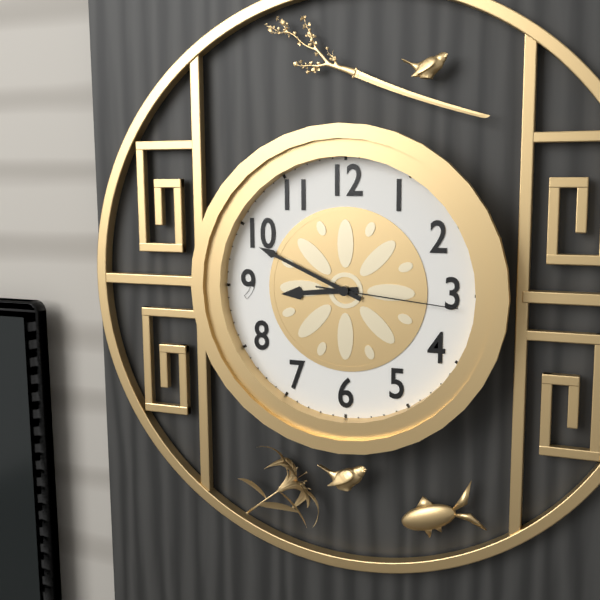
h=8 m=49 s=16
